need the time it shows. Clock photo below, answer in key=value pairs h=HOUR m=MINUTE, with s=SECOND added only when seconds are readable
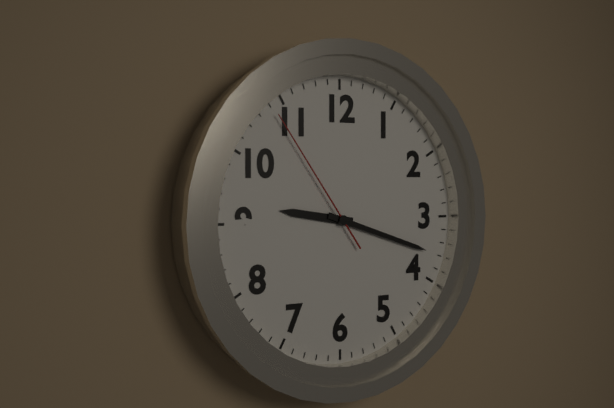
h=9 m=18 s=54
